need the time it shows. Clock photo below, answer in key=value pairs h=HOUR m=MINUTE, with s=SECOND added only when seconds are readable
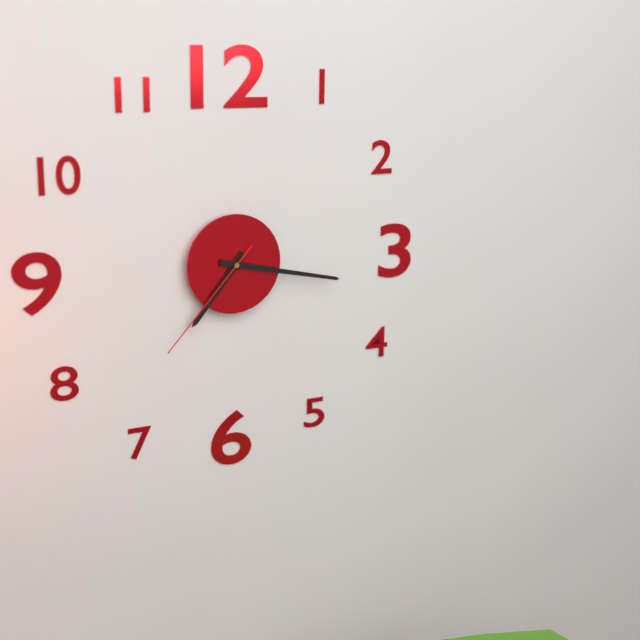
h=7 m=17 s=37
